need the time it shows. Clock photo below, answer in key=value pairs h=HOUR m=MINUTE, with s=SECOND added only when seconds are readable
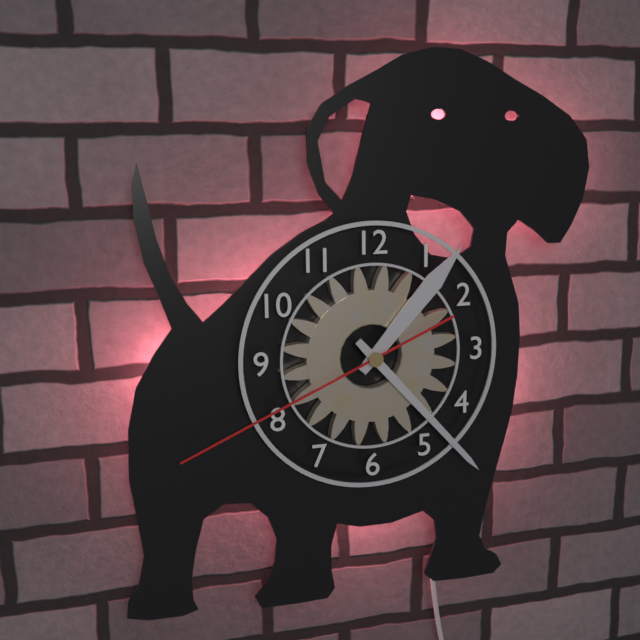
h=1 m=23 s=41
